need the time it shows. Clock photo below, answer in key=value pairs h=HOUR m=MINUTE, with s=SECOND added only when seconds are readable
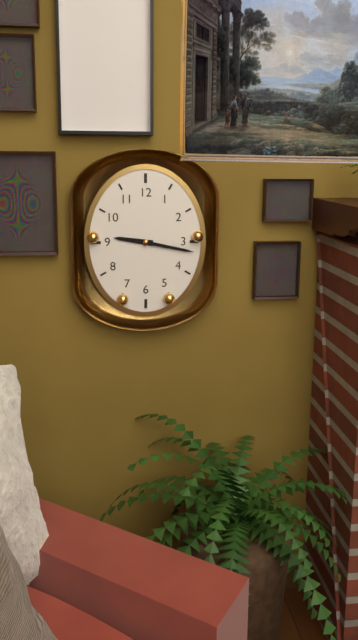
h=9 m=17
